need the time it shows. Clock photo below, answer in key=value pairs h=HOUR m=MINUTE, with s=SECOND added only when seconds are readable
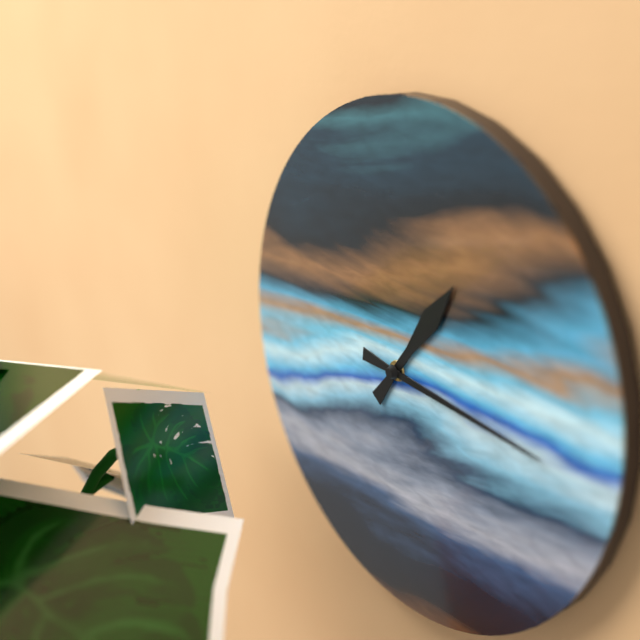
h=1 m=16
